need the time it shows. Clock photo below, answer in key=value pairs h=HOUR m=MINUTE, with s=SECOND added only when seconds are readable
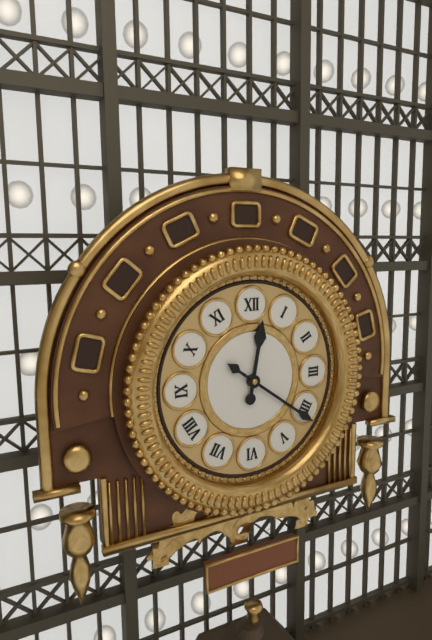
h=12 m=21
